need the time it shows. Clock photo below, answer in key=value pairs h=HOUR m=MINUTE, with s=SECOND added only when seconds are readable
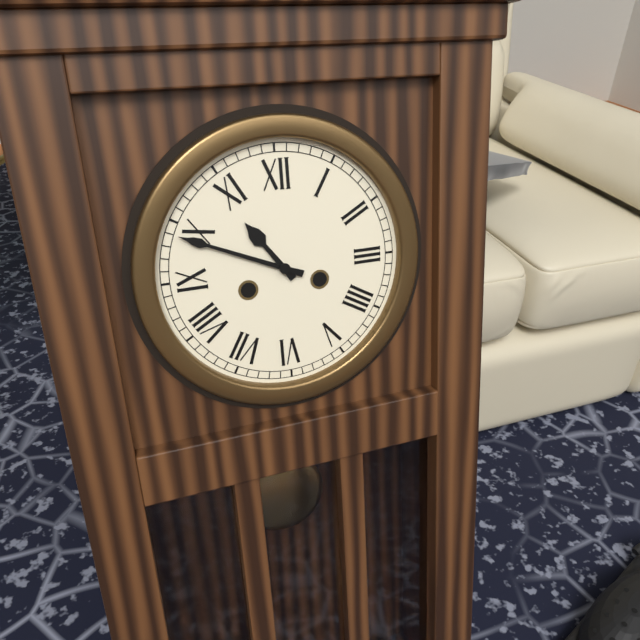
h=10 m=49
